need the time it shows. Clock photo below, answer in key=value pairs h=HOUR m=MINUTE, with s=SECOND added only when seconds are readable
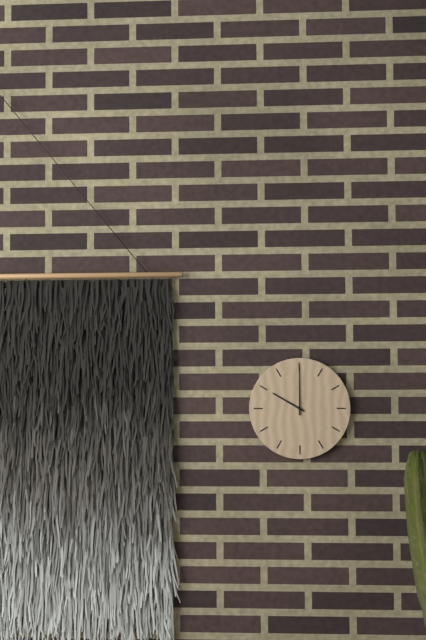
h=10 m=0
